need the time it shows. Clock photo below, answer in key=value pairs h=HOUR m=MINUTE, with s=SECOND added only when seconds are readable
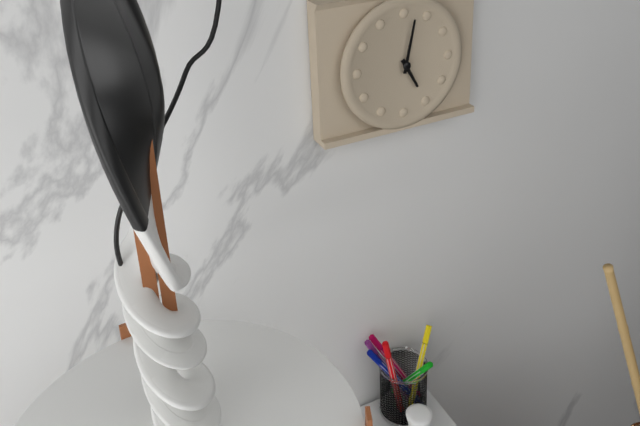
h=5 m=2
